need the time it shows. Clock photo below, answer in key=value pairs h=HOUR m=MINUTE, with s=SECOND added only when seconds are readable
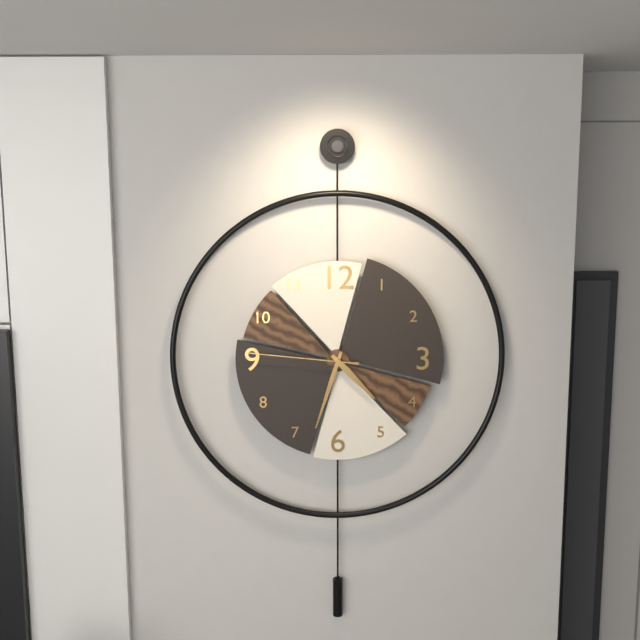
h=4 m=33 s=46
